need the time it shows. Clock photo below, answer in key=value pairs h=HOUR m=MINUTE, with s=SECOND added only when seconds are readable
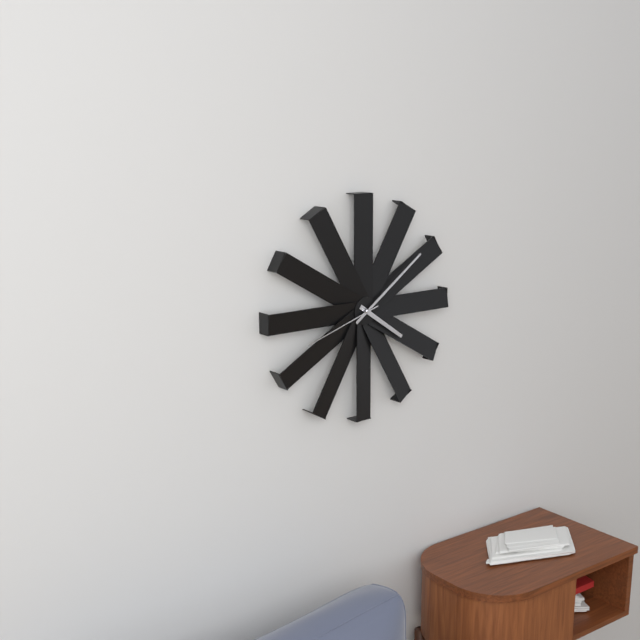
h=4 m=9 s=42
